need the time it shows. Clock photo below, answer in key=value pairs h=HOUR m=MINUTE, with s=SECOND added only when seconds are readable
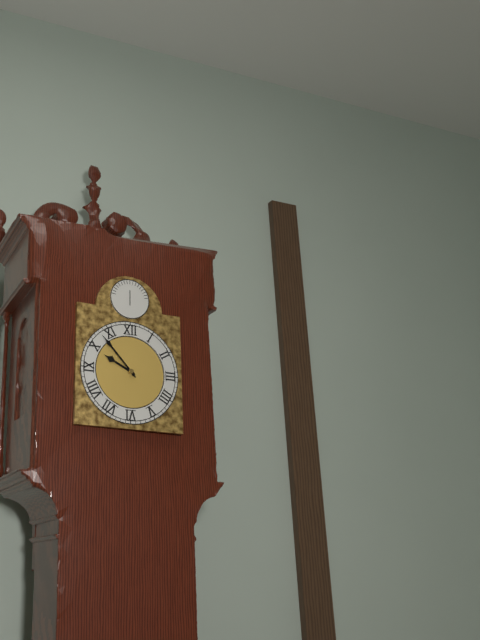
h=9 m=53
